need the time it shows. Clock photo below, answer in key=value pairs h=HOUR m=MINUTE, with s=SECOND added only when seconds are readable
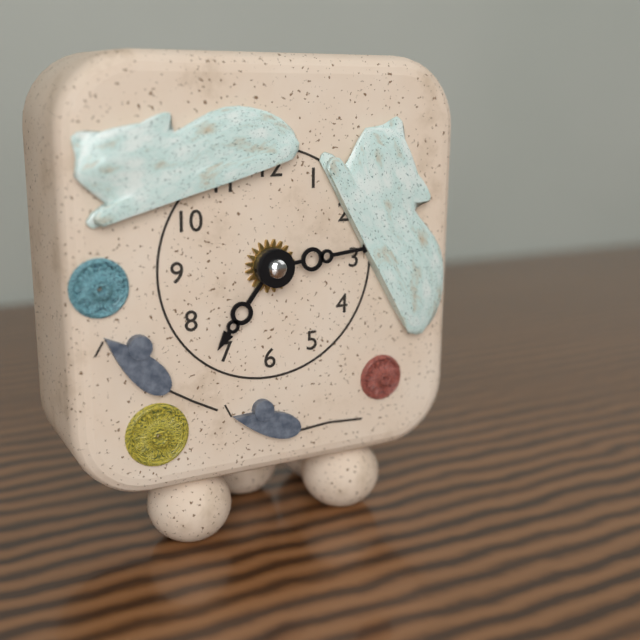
h=7 m=14
